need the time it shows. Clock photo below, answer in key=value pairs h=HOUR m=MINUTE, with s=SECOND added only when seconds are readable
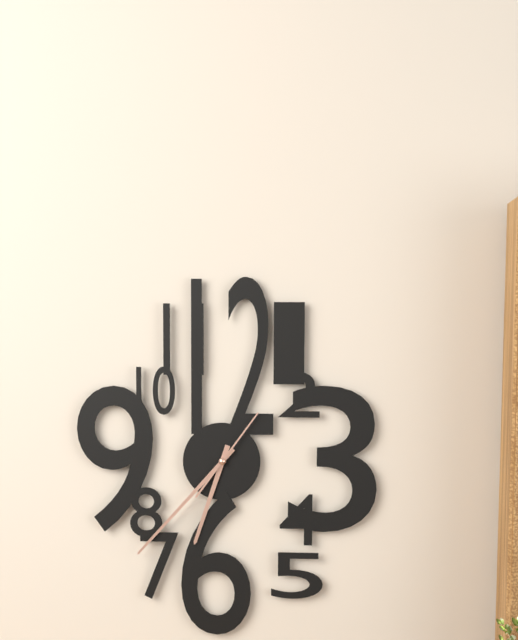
h=6 m=37 s=6
